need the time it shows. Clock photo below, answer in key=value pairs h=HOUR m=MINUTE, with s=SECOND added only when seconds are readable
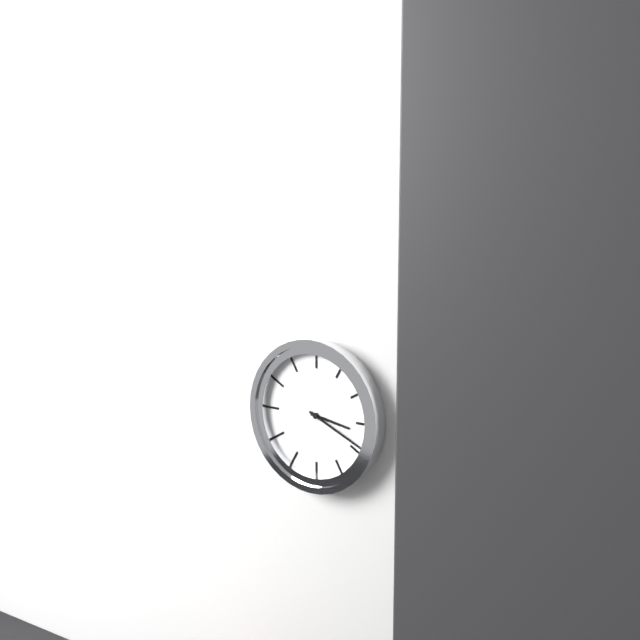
h=3 m=19
